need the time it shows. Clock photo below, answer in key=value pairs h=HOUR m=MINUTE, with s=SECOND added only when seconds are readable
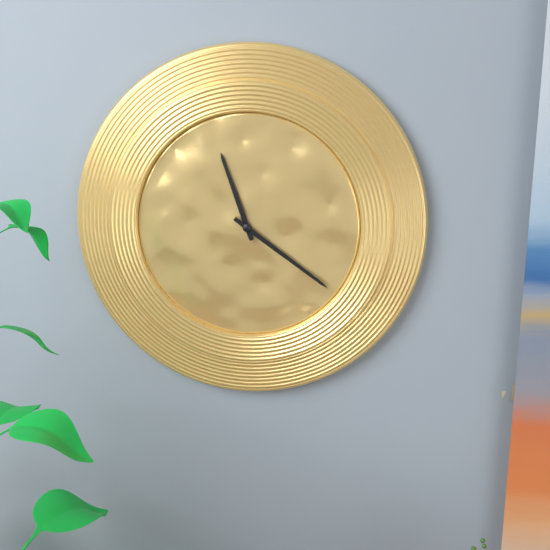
h=11 m=21
